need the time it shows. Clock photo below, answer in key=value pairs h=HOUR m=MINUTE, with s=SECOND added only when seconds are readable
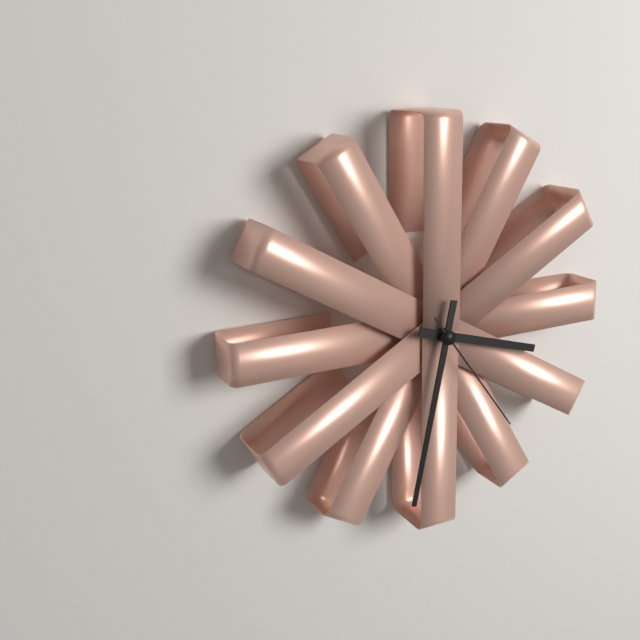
h=3 m=32 s=24
